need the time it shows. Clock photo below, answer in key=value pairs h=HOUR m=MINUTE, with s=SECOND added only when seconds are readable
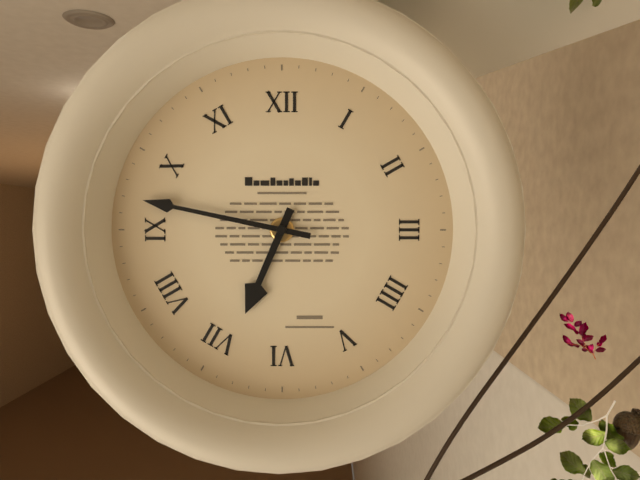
h=6 m=47
